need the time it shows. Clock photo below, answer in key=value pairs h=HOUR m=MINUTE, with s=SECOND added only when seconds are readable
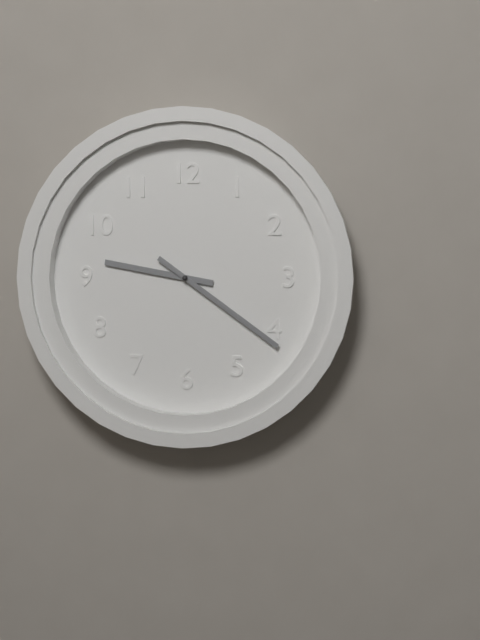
h=9 m=21
